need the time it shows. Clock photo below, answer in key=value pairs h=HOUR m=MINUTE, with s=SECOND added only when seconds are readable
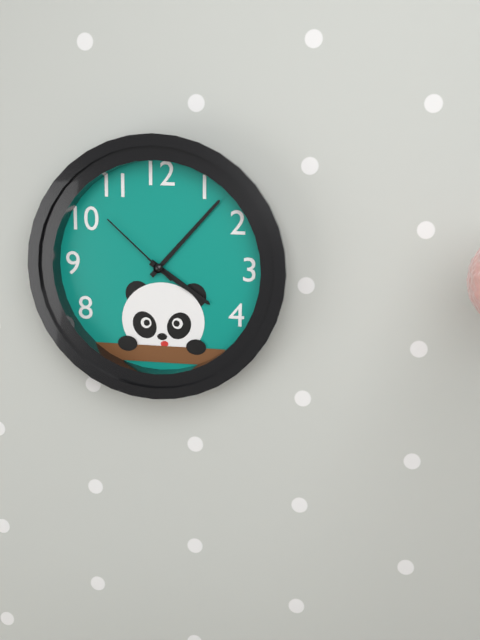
h=4 m=7 s=52
